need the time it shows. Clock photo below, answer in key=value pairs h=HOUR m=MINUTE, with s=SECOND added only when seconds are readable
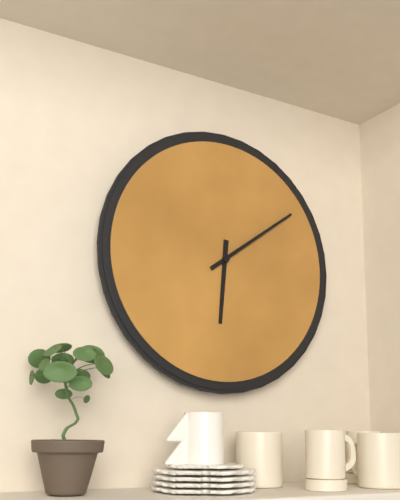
h=6 m=9
